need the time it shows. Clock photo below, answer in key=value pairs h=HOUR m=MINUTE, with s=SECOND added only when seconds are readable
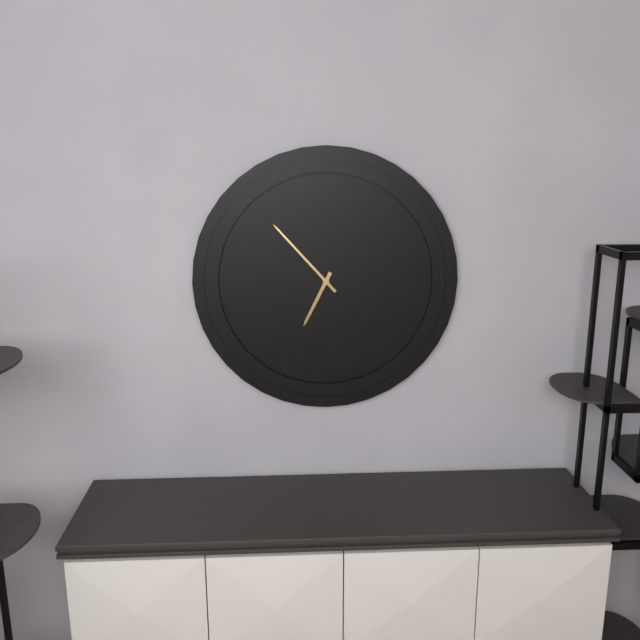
h=6 m=53
